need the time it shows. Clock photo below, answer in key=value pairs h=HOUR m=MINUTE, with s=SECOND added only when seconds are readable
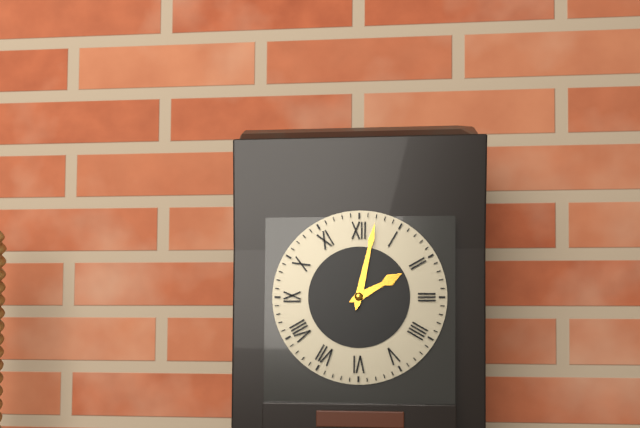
h=2 m=2
